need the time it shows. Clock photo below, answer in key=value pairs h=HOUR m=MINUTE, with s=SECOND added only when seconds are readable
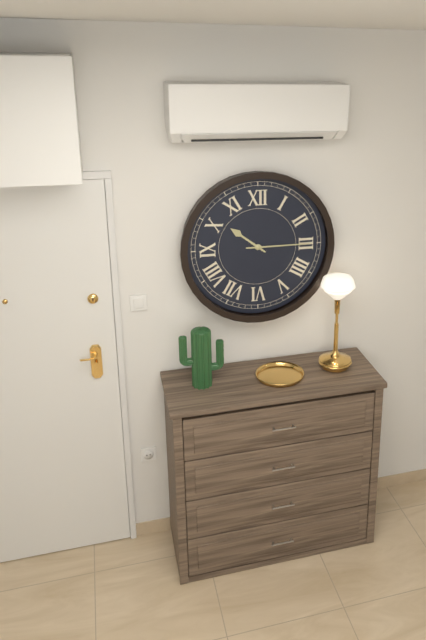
h=10 m=15
